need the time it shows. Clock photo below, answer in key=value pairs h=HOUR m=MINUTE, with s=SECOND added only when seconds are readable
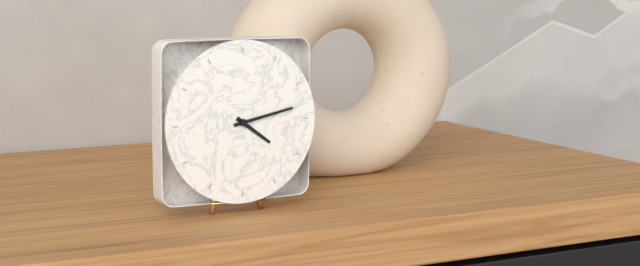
h=4 m=13
